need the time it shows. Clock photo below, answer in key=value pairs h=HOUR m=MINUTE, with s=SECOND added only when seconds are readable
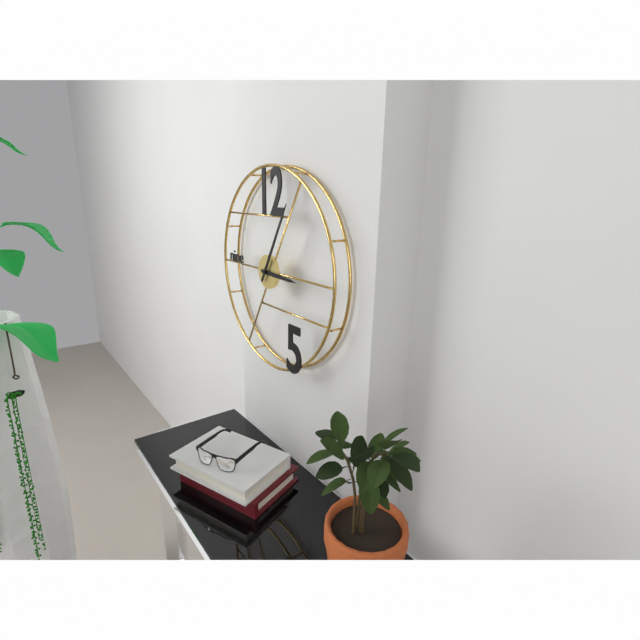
h=3 m=5
